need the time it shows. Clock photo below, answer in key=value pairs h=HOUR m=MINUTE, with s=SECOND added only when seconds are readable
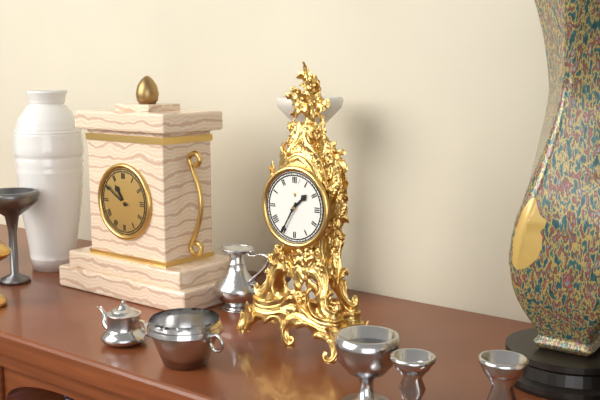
h=1 m=35
